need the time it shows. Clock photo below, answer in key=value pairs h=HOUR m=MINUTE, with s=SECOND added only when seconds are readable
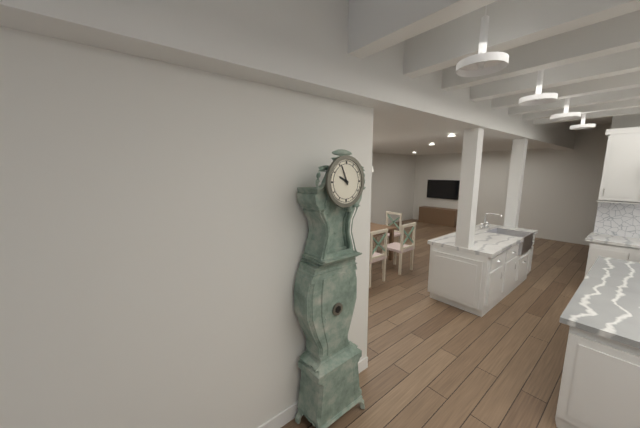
h=9 m=56
